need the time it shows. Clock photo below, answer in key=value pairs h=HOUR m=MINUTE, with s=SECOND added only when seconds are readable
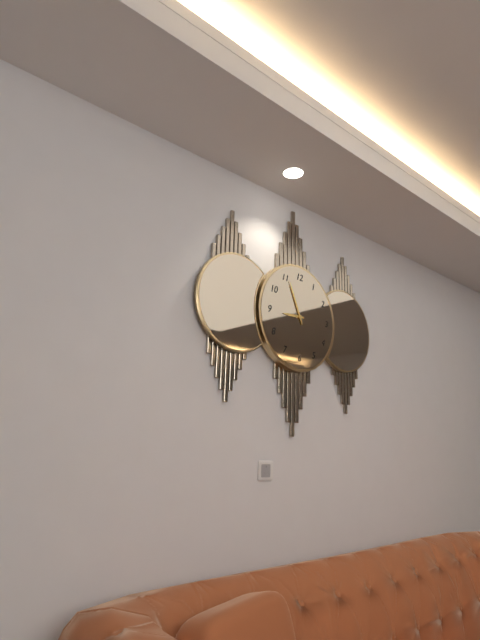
h=8 m=56
